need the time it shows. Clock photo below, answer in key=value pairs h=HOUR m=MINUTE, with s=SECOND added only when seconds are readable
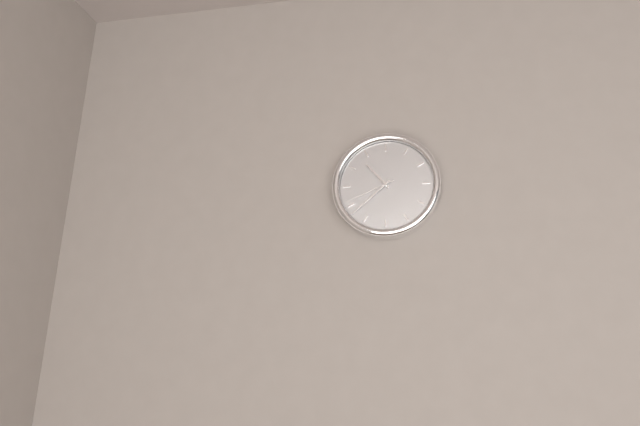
h=10 m=38 s=41
